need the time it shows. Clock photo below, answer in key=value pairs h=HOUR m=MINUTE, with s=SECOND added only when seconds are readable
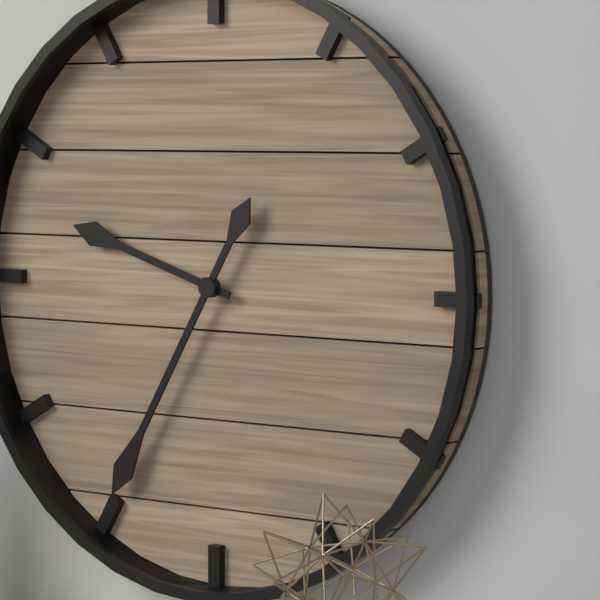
h=9 m=35
